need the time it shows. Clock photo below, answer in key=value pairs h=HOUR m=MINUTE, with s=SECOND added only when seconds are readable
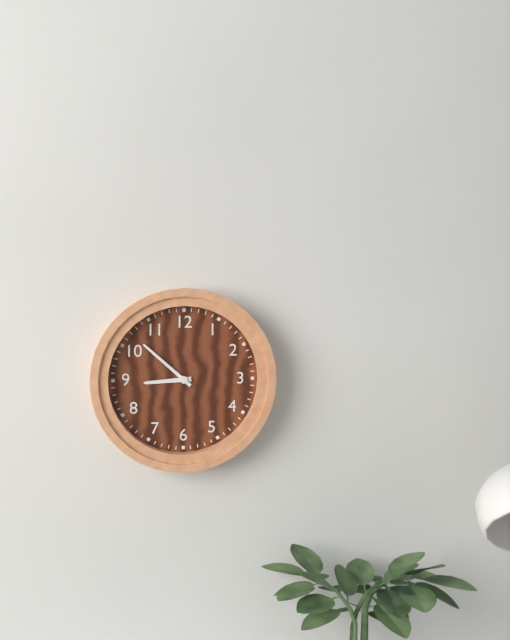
h=8 m=52
